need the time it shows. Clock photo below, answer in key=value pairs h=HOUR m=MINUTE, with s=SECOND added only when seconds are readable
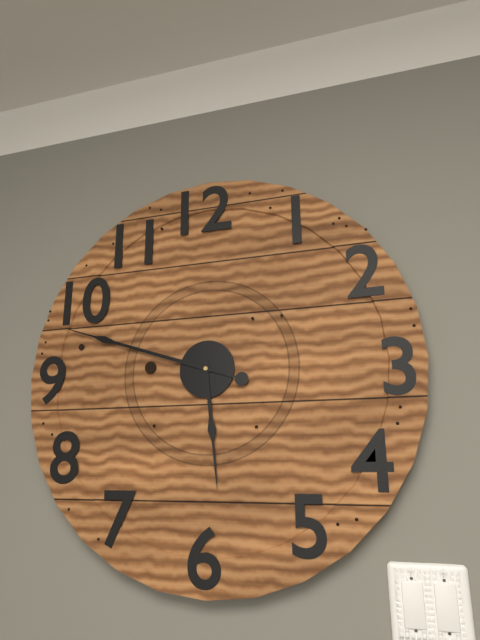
h=5 m=48
